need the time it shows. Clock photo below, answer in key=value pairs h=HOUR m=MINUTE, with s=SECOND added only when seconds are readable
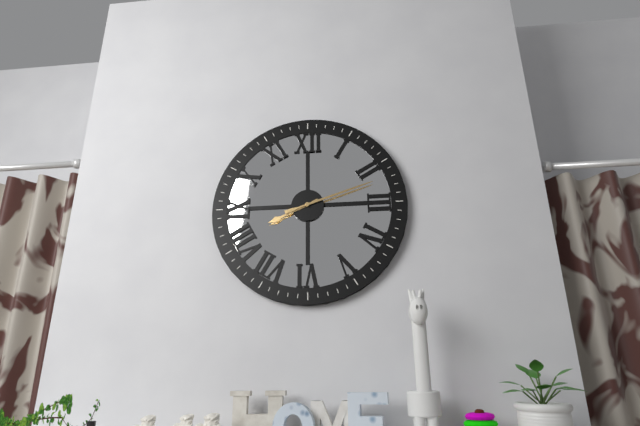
h=8 m=12
